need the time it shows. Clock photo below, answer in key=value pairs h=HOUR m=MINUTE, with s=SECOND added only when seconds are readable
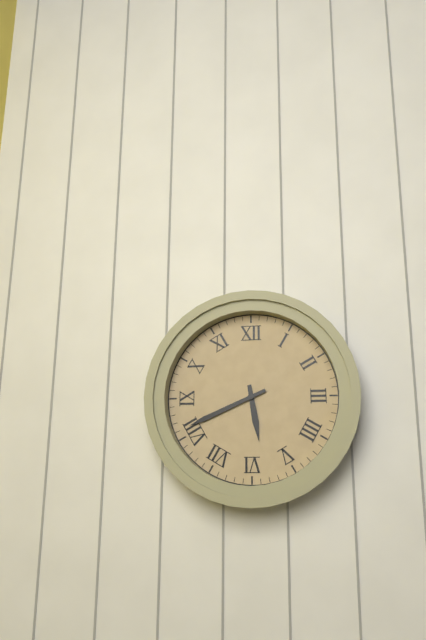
h=5 m=41
